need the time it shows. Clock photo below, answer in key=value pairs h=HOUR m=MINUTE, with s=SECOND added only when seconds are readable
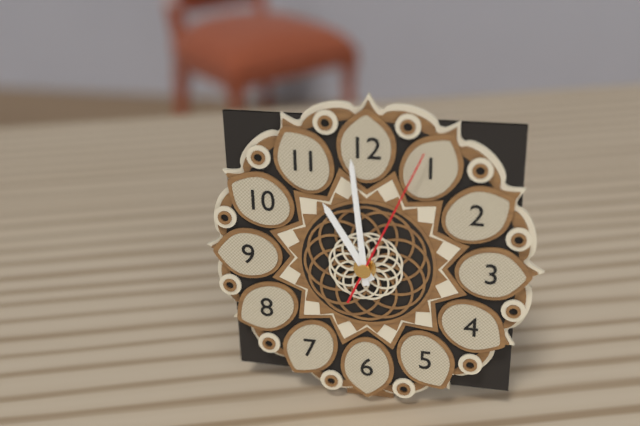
h=10 m=59 s=4
